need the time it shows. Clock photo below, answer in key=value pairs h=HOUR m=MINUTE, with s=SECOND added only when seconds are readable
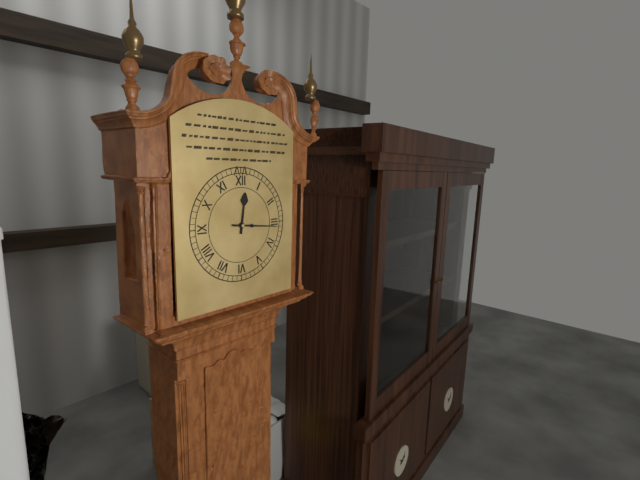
h=12 m=16
